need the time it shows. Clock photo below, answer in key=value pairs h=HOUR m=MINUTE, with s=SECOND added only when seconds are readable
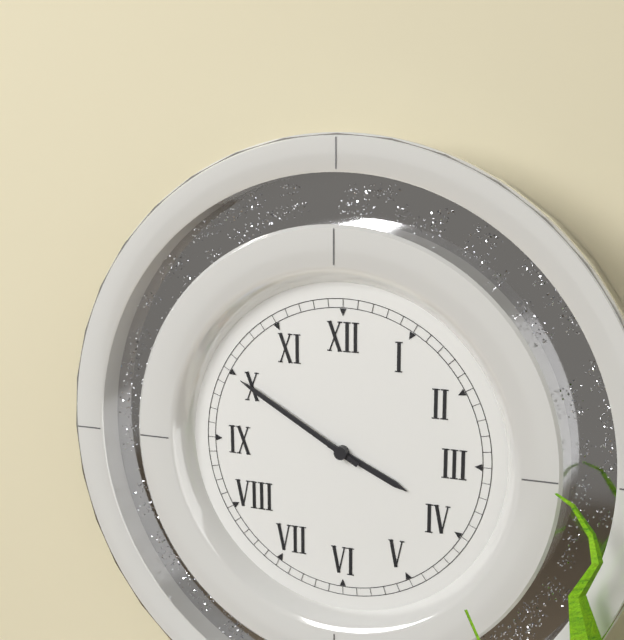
h=3 m=50
